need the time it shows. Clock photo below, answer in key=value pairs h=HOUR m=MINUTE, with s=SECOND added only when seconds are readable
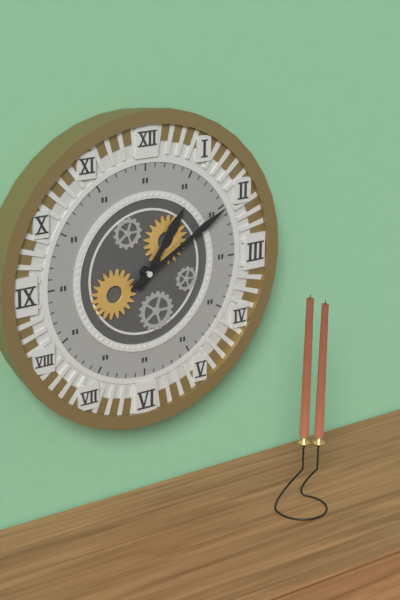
h=1 m=10
